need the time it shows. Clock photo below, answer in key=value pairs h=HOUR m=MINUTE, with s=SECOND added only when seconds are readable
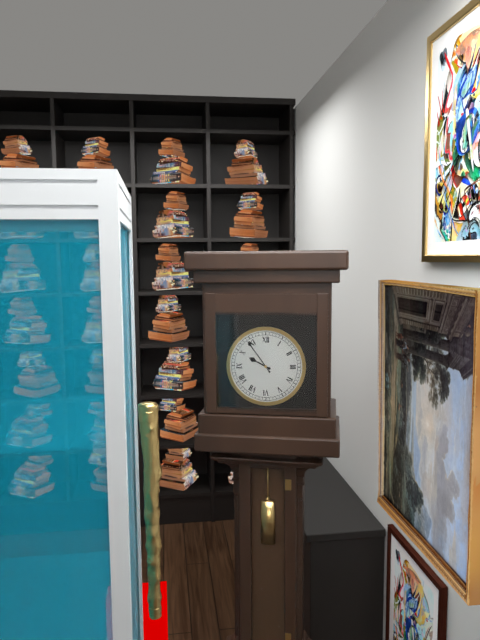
h=9 m=54
